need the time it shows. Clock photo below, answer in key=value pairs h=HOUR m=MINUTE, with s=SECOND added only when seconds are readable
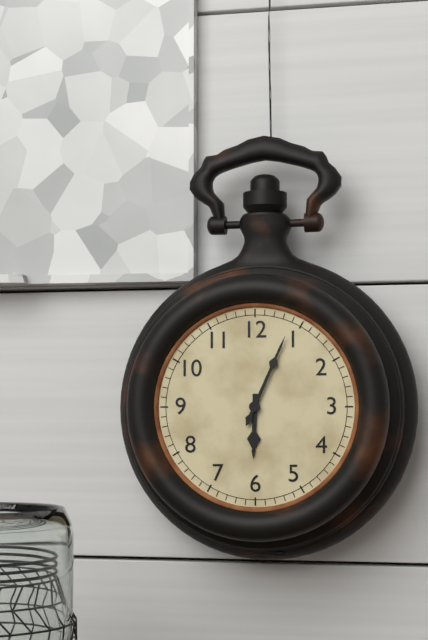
h=6 m=4
